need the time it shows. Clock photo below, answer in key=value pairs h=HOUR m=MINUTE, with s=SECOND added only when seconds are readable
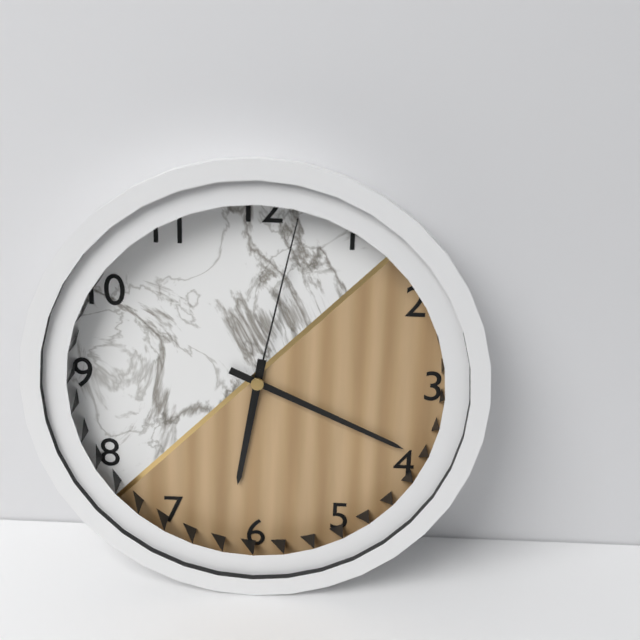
h=6 m=19 s=2
